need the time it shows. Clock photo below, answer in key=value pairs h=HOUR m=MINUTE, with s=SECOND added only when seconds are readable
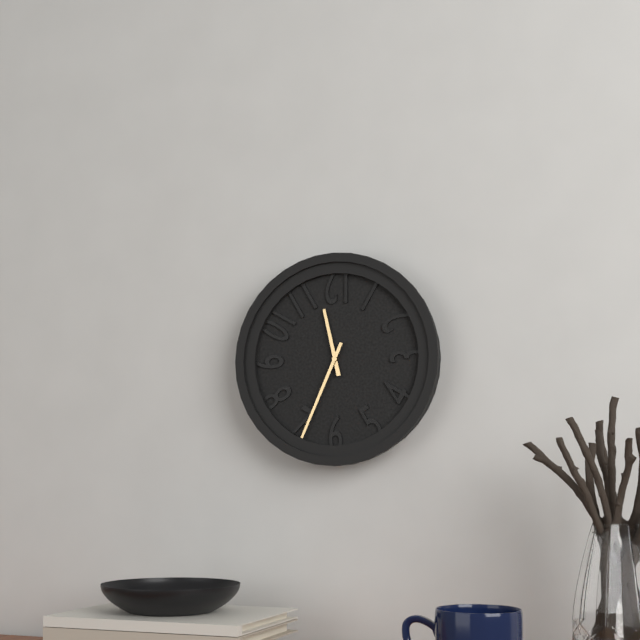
h=11 m=34
